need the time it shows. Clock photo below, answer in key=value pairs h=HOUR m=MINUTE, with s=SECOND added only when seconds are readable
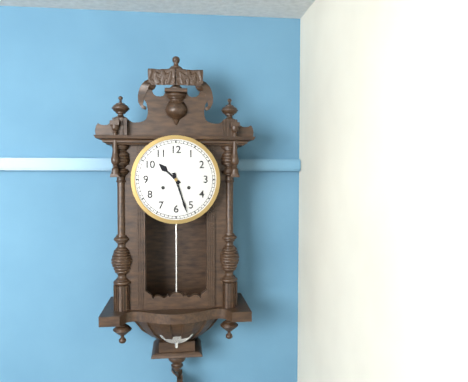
h=10 m=27
